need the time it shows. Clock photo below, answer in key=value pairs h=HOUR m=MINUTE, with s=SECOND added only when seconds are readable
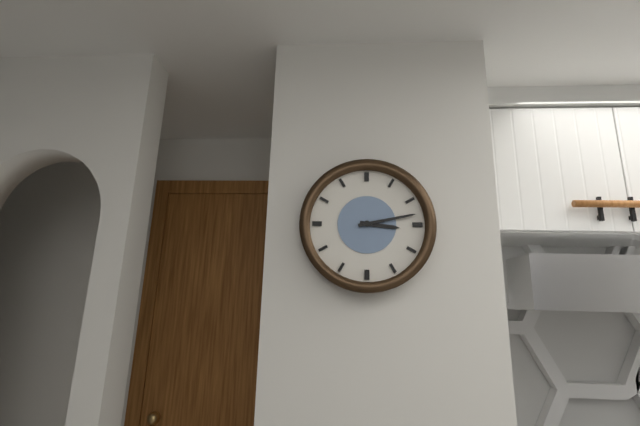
h=3 m=13
